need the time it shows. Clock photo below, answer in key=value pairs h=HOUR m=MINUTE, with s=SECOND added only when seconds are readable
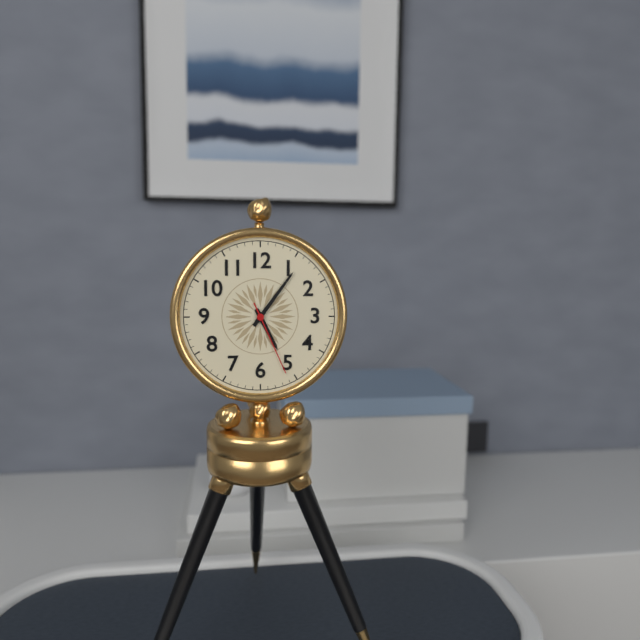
h=5 m=6 s=26
